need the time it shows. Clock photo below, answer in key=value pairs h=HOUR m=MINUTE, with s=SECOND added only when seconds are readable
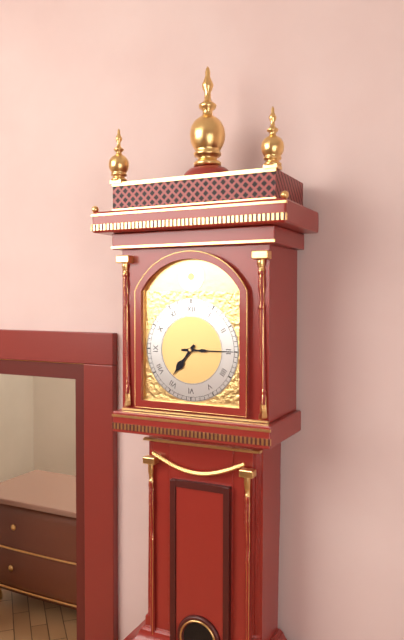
h=7 m=15
